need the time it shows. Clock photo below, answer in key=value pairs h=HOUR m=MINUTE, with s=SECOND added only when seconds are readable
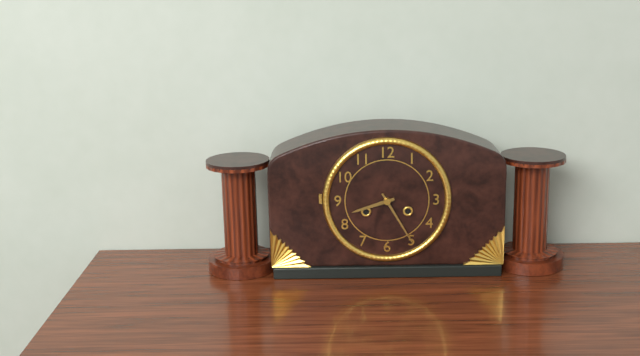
h=8 m=25
